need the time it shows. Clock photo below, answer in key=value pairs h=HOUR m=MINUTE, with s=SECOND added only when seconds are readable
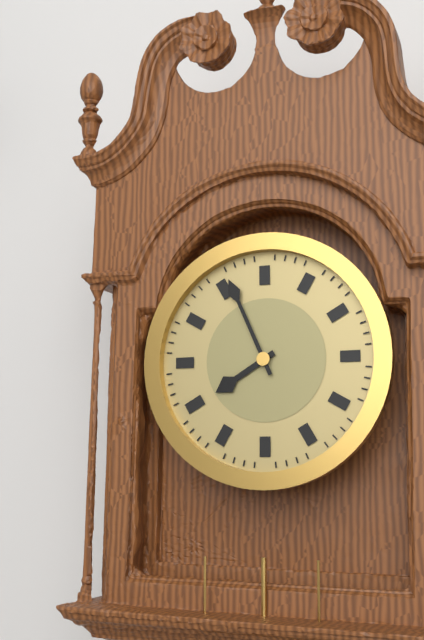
h=7 m=56
